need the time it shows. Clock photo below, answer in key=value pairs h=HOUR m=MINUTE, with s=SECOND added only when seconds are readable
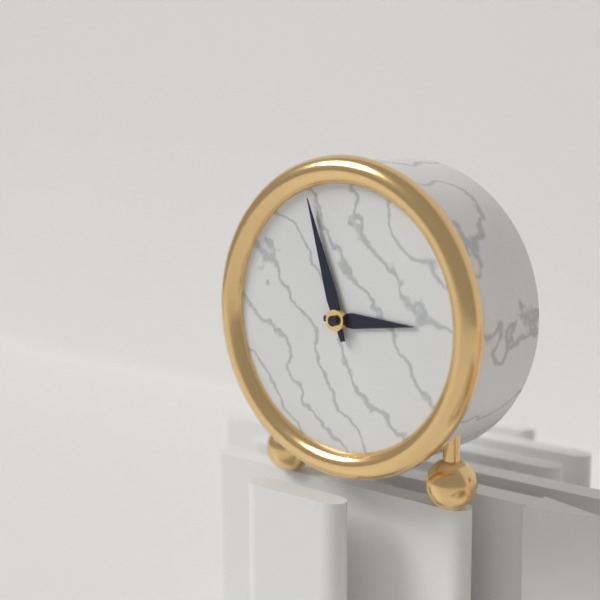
h=2 m=57
